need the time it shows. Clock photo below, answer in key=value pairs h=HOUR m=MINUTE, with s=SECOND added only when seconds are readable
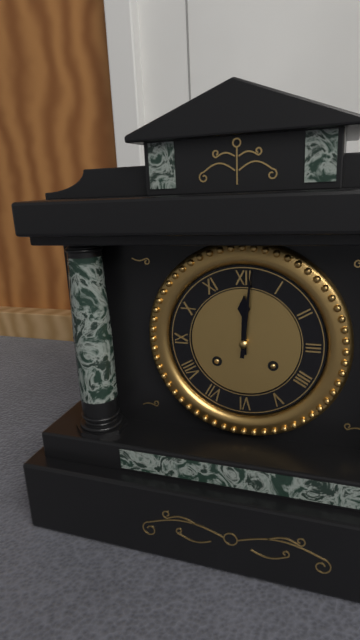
h=12 m=1
